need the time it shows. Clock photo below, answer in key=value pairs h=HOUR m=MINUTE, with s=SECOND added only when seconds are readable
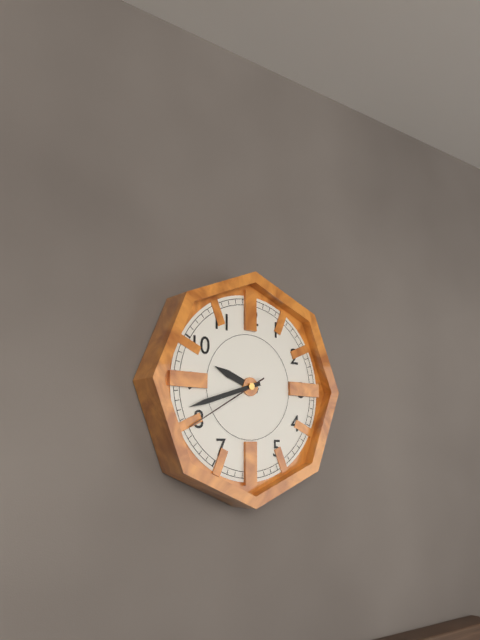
h=9 m=42 s=40
